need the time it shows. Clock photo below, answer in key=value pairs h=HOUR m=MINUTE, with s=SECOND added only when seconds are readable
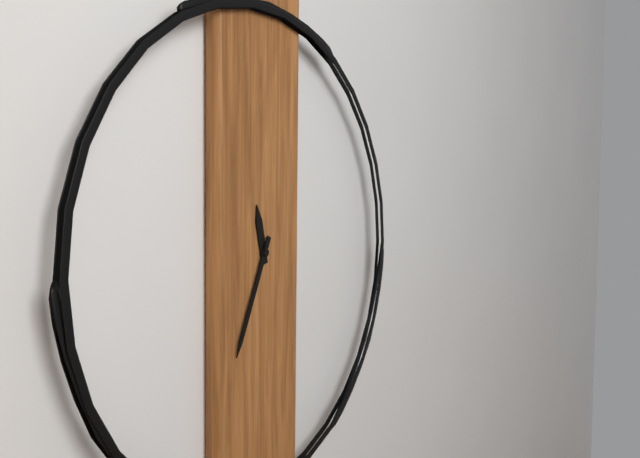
h=11 m=34
